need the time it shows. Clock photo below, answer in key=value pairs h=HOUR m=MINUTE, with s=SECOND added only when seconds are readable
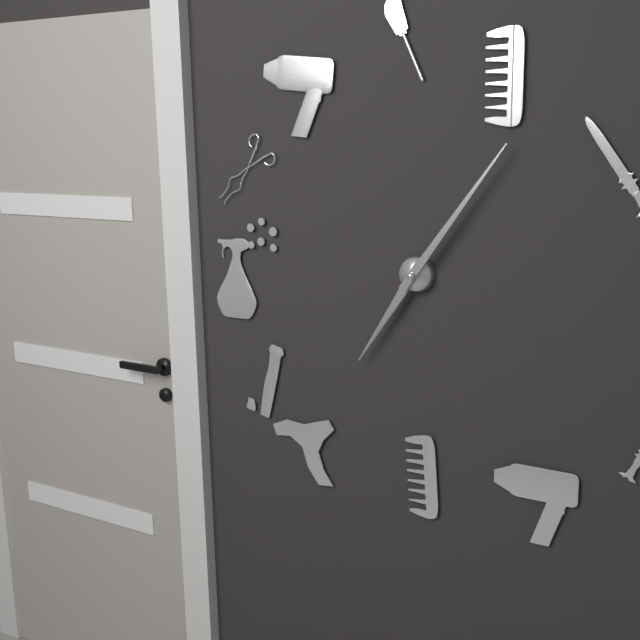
h=7 m=6
